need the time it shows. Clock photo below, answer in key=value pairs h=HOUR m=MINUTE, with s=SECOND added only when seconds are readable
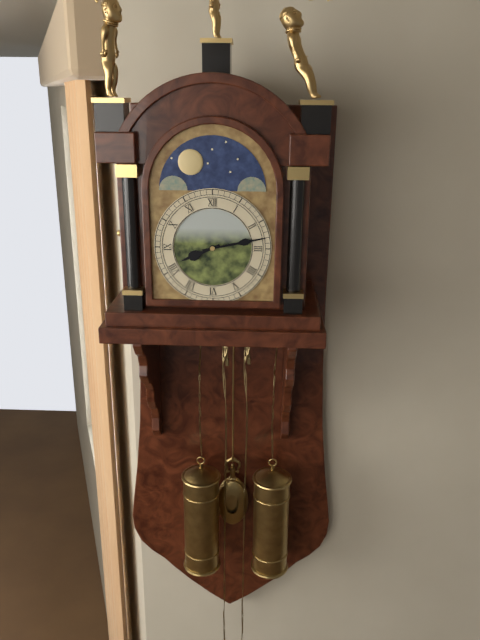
h=8 m=13
